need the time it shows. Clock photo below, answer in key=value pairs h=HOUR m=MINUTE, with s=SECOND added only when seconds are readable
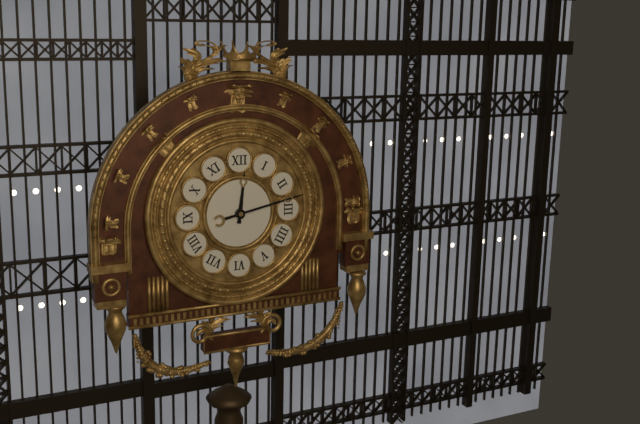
h=12 m=13
